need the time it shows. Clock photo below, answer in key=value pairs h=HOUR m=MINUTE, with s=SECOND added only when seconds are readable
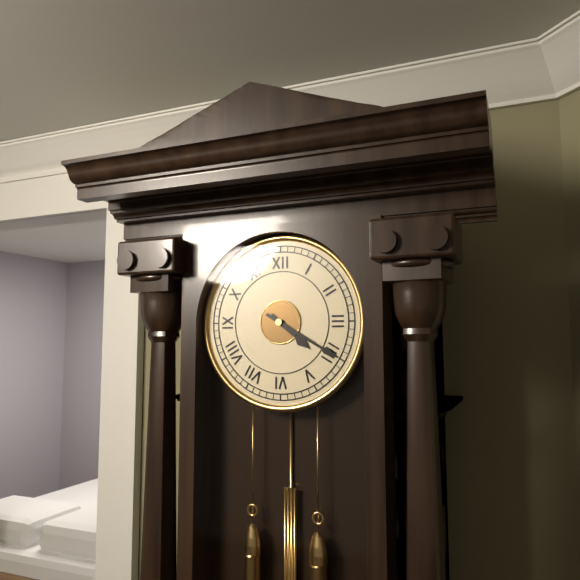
h=4 m=20
